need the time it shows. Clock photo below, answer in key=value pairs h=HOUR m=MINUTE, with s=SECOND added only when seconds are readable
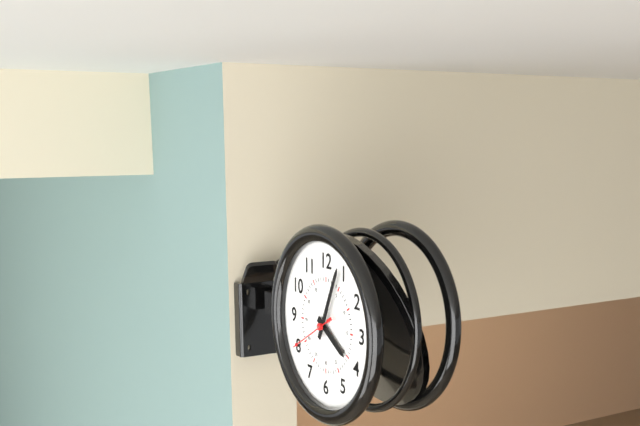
h=4 m=4 s=40
